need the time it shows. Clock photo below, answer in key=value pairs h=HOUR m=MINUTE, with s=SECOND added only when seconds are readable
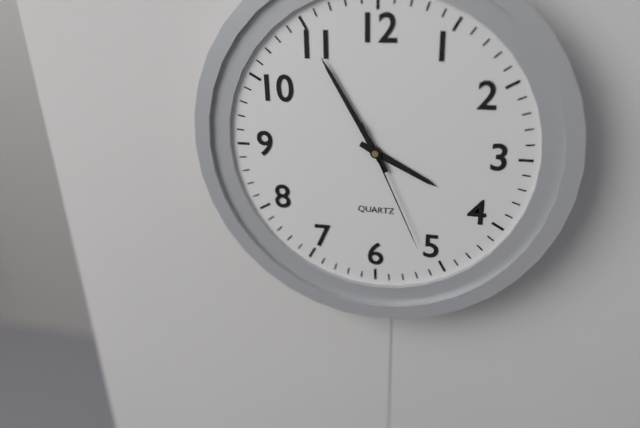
h=3 m=55 s=26
